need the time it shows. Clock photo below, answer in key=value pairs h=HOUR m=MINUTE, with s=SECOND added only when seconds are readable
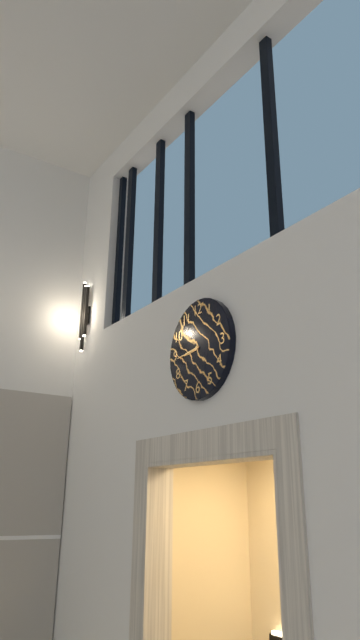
h=8 m=44
